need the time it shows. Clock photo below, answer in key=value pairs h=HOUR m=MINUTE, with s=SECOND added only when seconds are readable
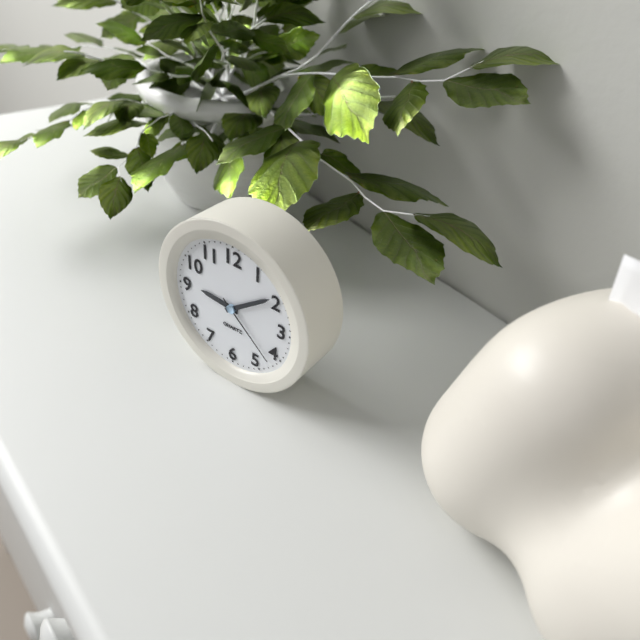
h=9 m=9 s=22
